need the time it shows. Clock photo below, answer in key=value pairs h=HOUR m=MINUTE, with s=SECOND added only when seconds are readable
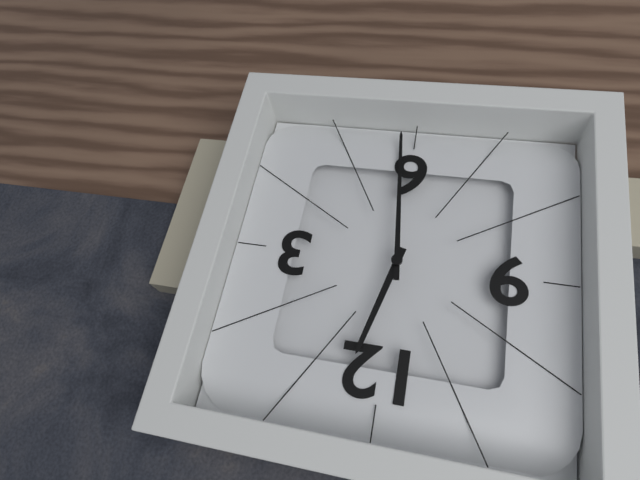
h=12 m=29
